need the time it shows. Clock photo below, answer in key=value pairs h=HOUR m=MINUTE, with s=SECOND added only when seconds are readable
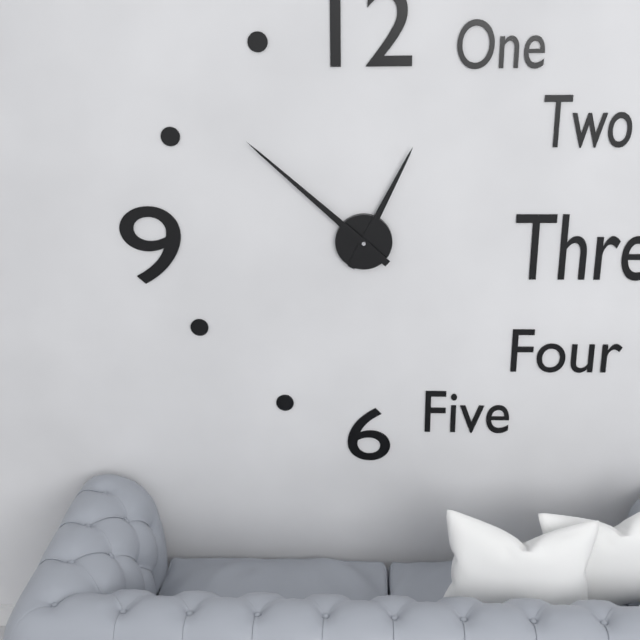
h=12 m=52
